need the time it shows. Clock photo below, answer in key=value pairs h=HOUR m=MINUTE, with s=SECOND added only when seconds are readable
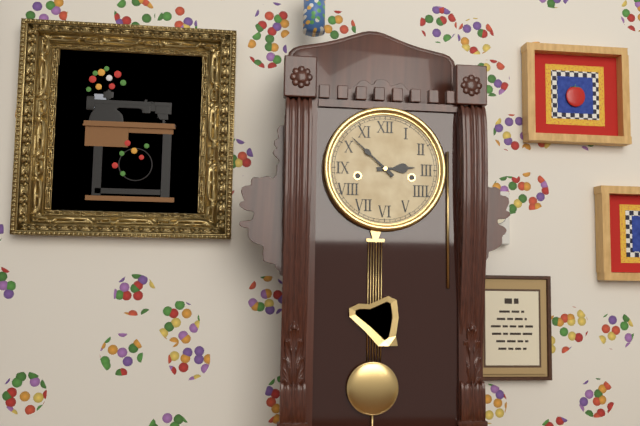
h=2 m=52
